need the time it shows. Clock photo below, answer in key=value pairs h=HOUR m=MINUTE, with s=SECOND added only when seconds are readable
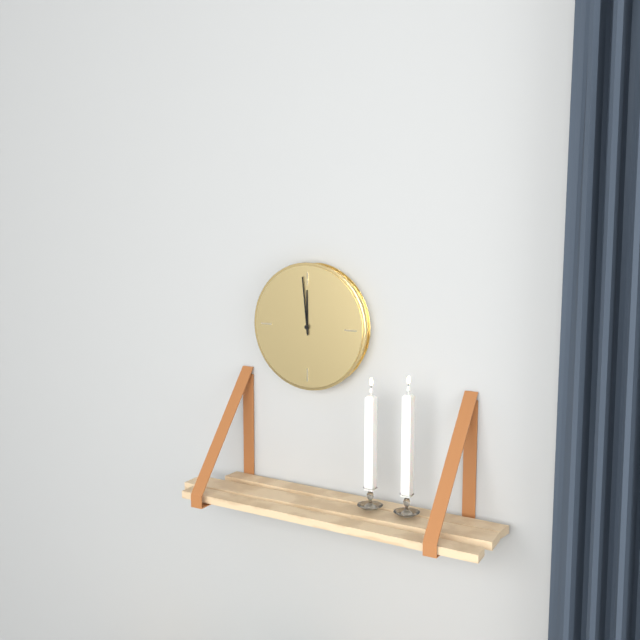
h=11 m=59
